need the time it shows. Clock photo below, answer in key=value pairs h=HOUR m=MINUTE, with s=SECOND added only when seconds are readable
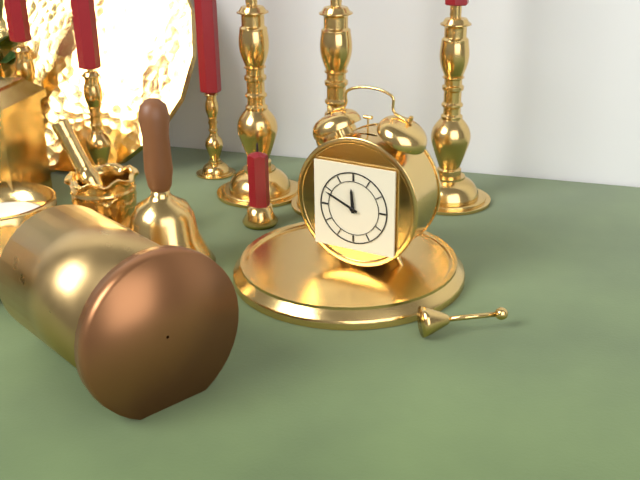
h=11 m=49
